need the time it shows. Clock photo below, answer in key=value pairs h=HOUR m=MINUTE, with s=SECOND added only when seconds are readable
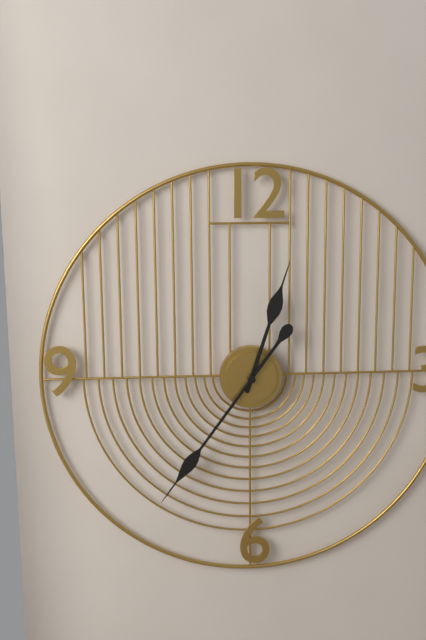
h=12 m=36
